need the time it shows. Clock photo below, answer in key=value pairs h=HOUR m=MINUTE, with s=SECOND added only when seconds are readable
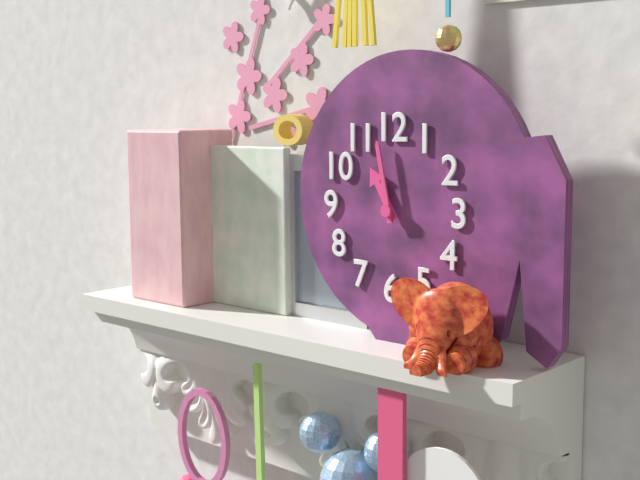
h=10 m=58
